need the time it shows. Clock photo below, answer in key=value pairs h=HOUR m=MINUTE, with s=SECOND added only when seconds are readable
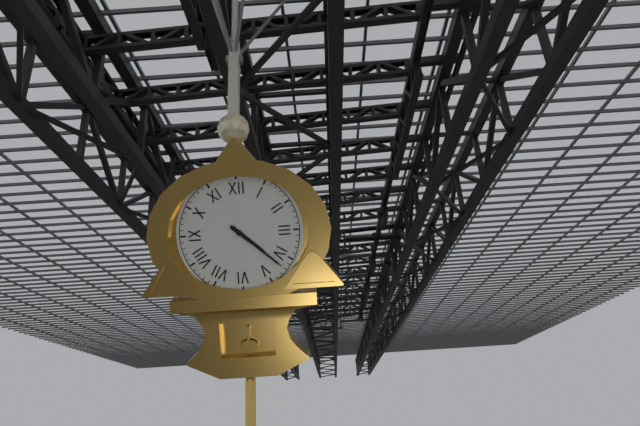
h=4 m=22
